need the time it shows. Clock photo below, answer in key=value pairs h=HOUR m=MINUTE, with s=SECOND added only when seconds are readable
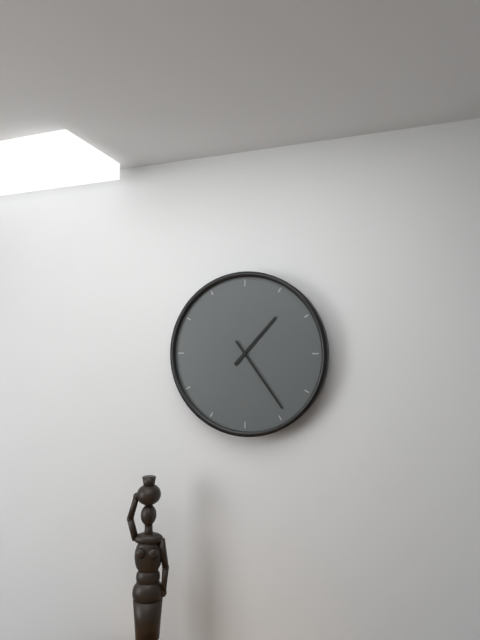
h=1 m=24
